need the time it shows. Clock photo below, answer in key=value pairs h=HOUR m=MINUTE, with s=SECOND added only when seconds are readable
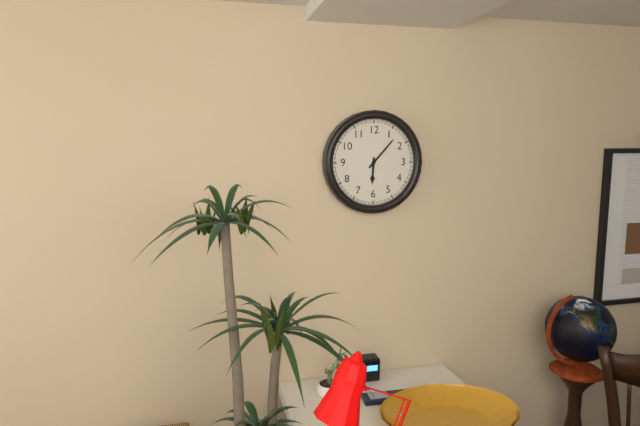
h=6 m=7
